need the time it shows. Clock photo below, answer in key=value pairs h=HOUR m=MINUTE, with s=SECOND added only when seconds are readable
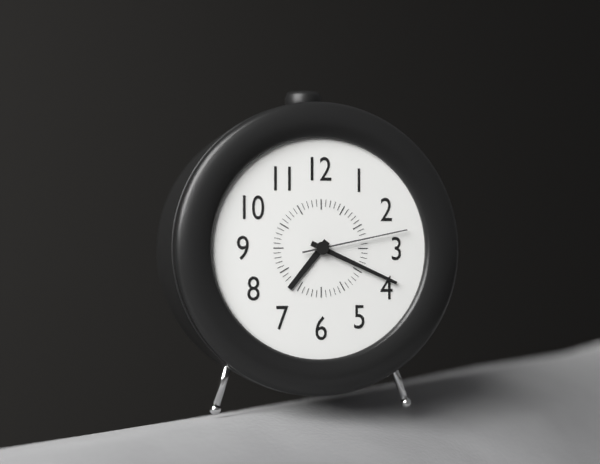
h=7 m=19 s=13
